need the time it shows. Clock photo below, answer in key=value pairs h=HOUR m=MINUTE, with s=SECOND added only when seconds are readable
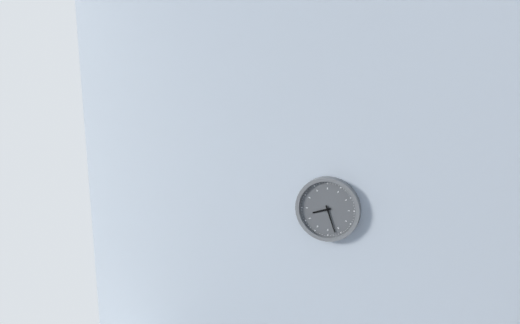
h=8 m=27
